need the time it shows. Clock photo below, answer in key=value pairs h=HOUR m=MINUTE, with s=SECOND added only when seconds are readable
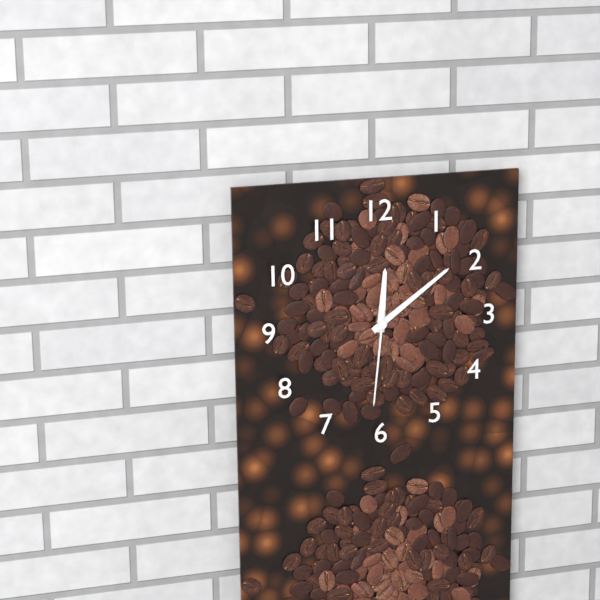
h=12 m=9 s=31
